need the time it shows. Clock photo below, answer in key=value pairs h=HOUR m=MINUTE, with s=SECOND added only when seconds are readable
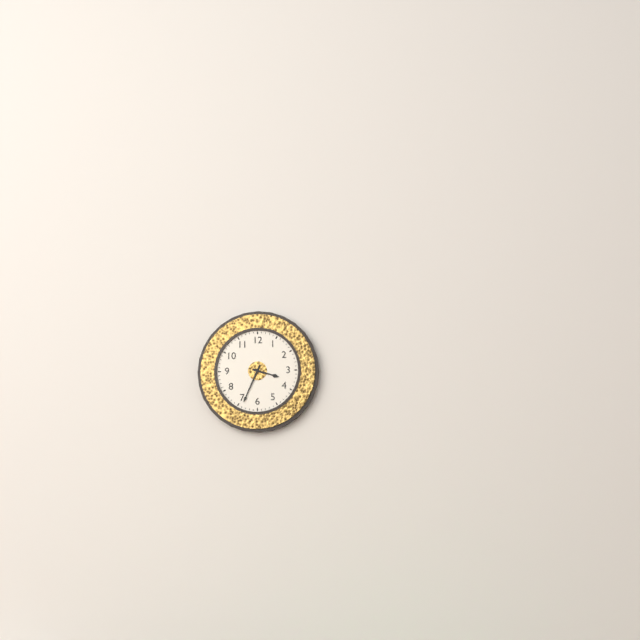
h=3 m=34
